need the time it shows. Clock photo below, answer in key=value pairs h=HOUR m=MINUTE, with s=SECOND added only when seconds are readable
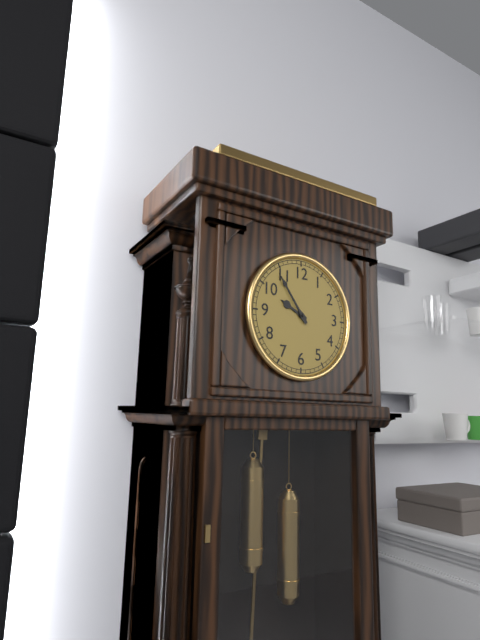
h=9 m=54
